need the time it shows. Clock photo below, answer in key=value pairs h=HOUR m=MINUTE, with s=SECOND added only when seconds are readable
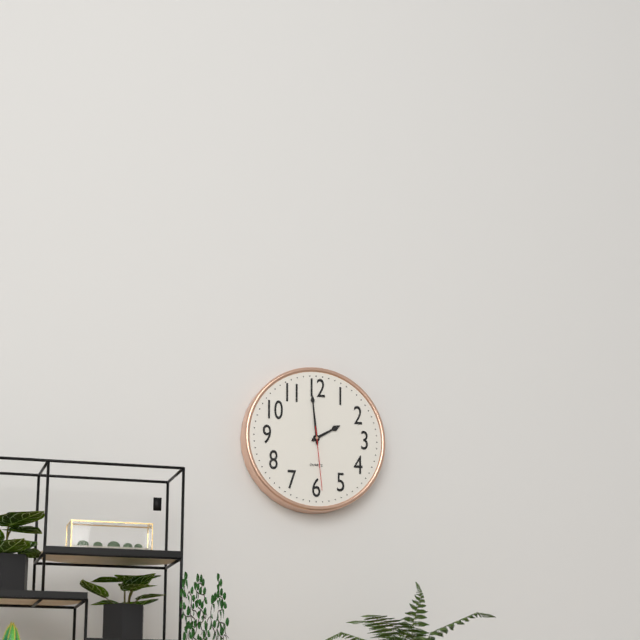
h=1 m=59 s=29
